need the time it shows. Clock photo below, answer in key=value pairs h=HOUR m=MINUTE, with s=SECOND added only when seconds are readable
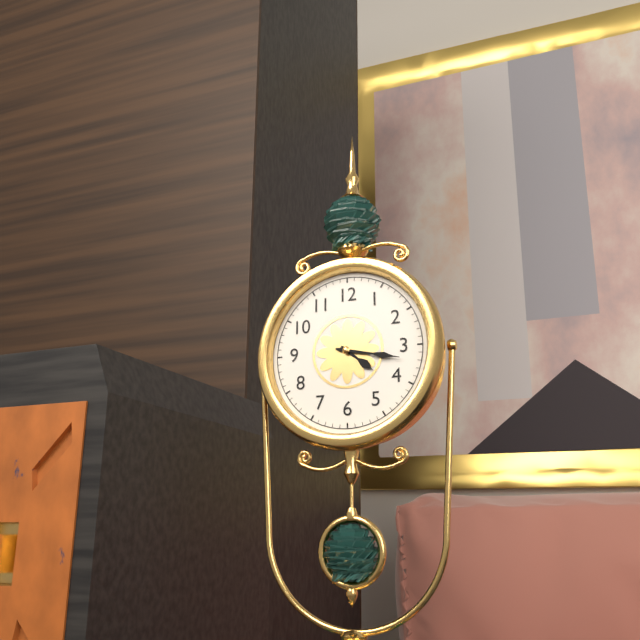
h=4 m=17
